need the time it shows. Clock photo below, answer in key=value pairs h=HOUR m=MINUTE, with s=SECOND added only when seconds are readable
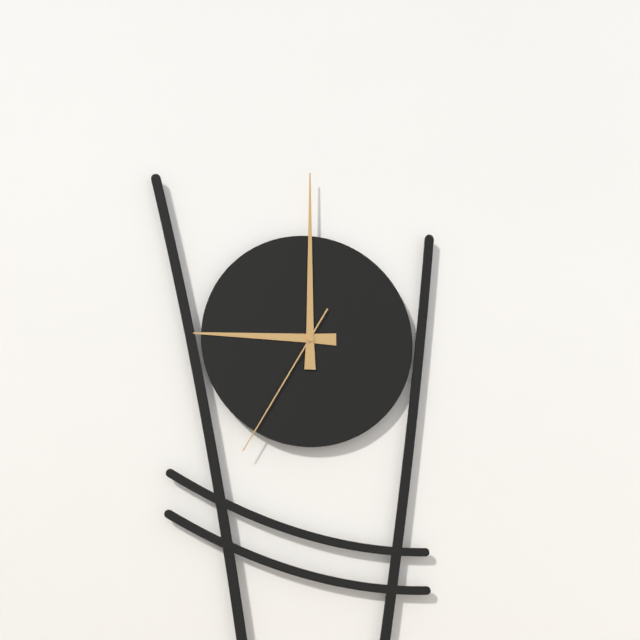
h=9 m=0 s=35
